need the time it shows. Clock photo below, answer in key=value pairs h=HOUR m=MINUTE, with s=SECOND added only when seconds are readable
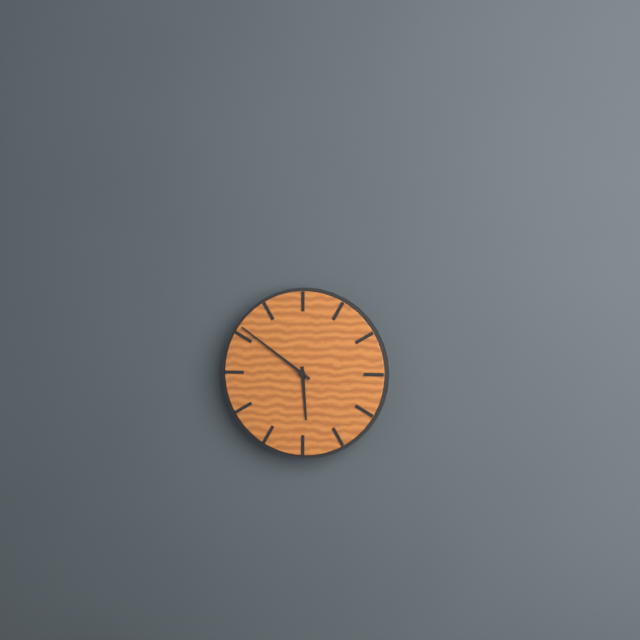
h=5 m=51
